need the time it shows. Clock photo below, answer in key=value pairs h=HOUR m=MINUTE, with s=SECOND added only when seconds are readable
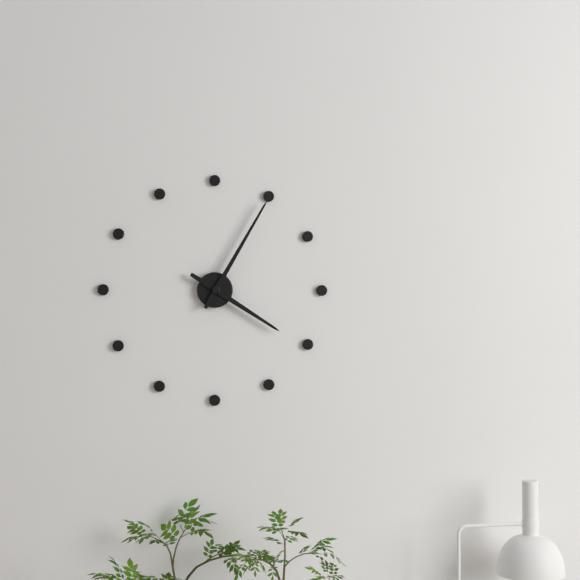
h=4 m=5
